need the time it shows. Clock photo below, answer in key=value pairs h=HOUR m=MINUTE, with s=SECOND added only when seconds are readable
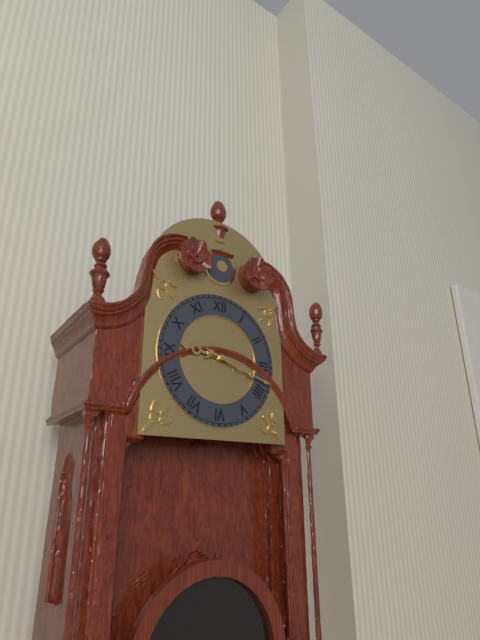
h=9 m=18
